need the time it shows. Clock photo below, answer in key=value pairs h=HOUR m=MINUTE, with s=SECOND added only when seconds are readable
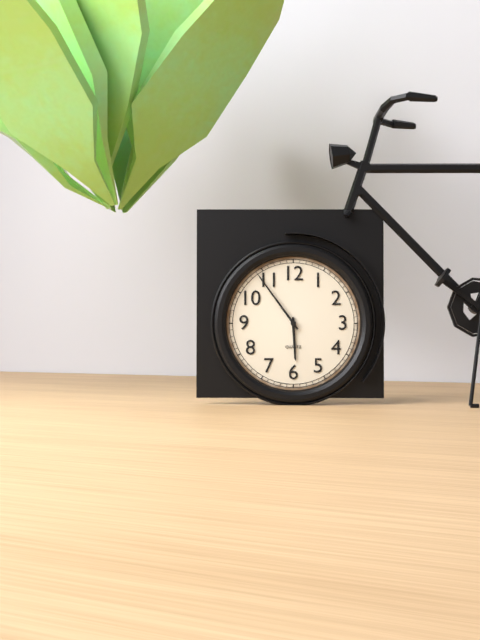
h=5 m=54
